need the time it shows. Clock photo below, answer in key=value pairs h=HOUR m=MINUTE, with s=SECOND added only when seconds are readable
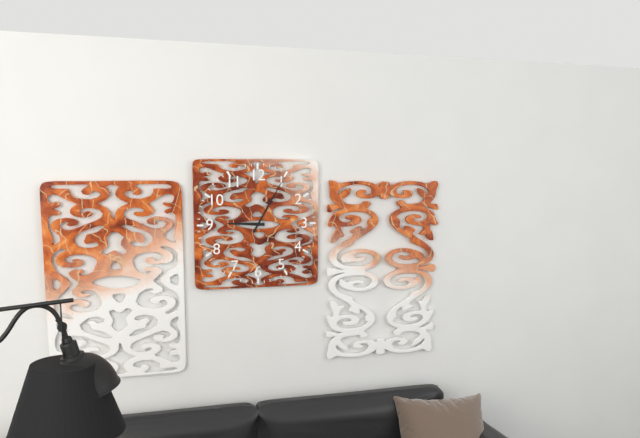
h=9 m=5
